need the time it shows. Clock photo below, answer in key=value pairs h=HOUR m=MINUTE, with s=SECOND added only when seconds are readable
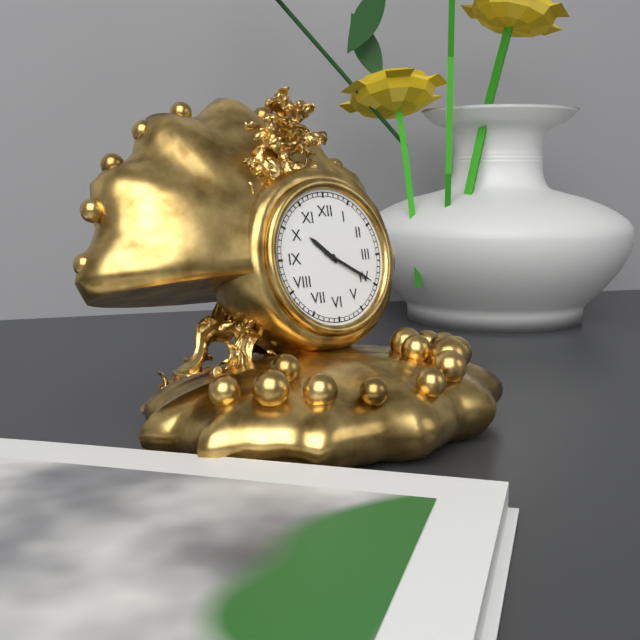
h=10 m=20
